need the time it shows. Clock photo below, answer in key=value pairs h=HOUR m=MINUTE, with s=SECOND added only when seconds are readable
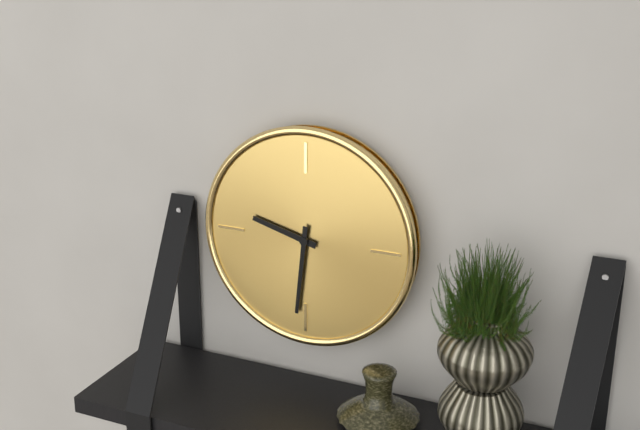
h=9 m=31
